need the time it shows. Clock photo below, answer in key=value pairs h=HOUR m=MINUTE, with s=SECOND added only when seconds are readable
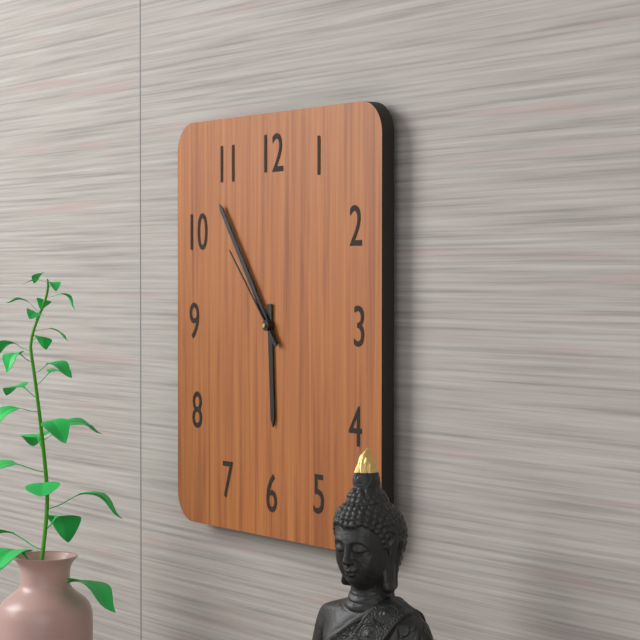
h=5 m=54 s=53
